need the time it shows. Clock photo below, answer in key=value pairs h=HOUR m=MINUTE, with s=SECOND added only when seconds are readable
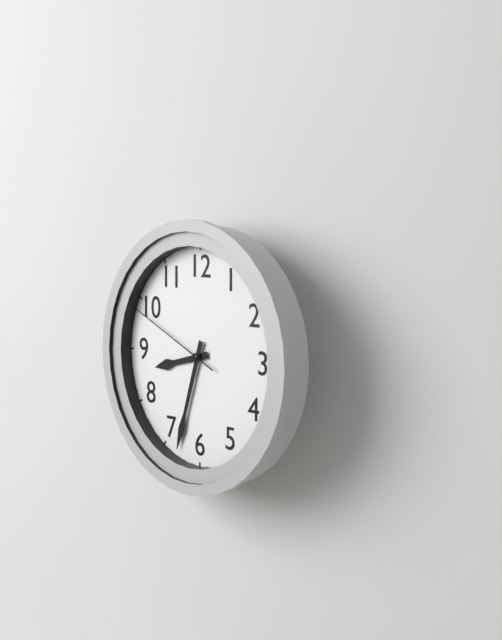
h=8 m=33 s=49
